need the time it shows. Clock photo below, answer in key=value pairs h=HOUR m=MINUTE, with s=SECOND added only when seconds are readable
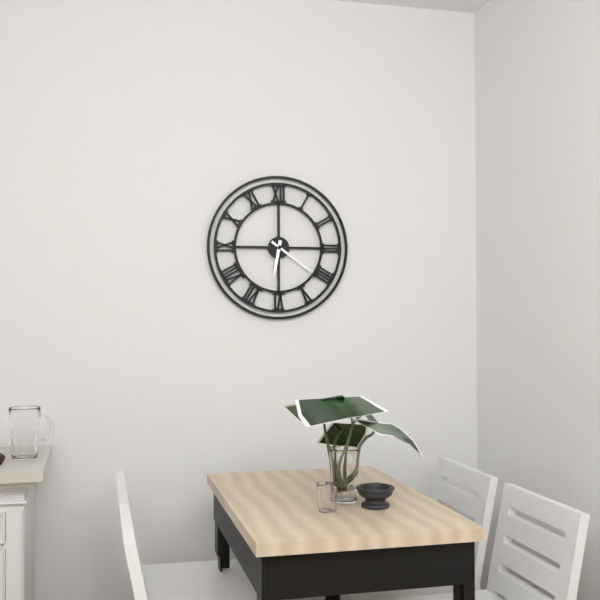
h=6 m=21
